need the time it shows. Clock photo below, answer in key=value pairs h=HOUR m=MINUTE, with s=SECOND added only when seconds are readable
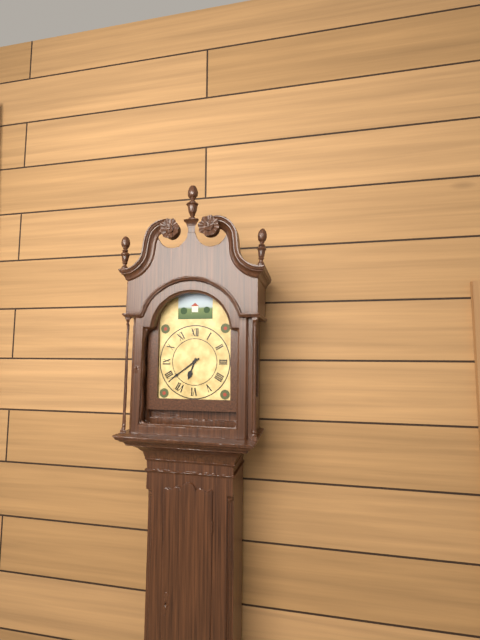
h=6 m=39
